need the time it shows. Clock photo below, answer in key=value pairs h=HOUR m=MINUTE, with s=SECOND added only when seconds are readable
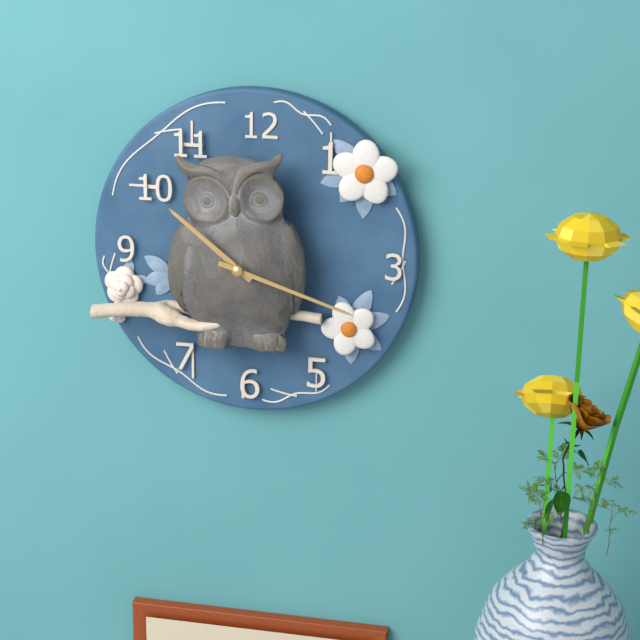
h=10 m=18
